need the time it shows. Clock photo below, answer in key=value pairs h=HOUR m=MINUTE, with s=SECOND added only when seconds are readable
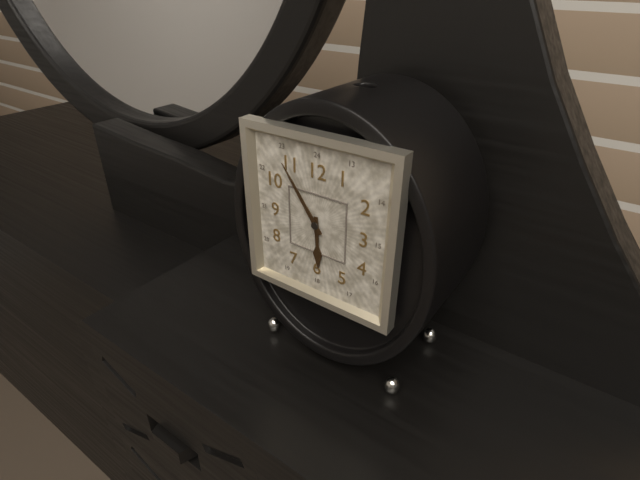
h=5 m=54
